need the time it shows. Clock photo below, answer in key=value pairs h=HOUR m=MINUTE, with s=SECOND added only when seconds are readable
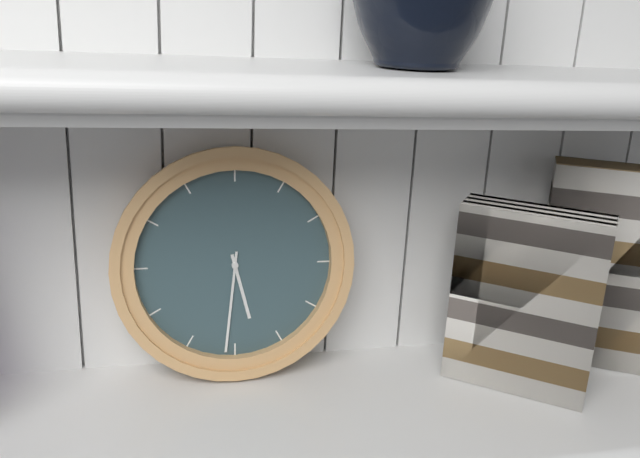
h=5 m=31
